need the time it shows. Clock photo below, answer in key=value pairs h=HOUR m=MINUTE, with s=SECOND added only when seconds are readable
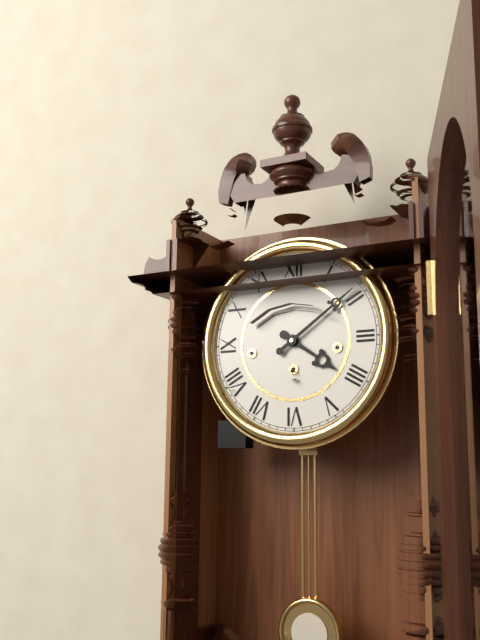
h=4 m=9
